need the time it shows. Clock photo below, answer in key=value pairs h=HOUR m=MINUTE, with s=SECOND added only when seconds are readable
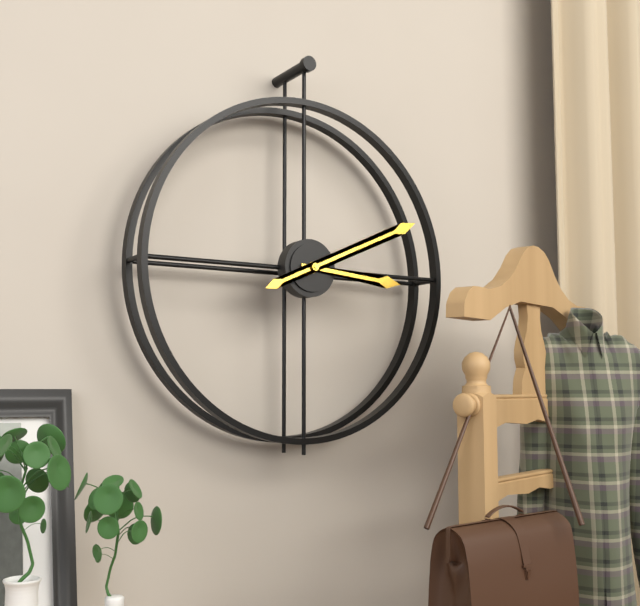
h=3 m=11
